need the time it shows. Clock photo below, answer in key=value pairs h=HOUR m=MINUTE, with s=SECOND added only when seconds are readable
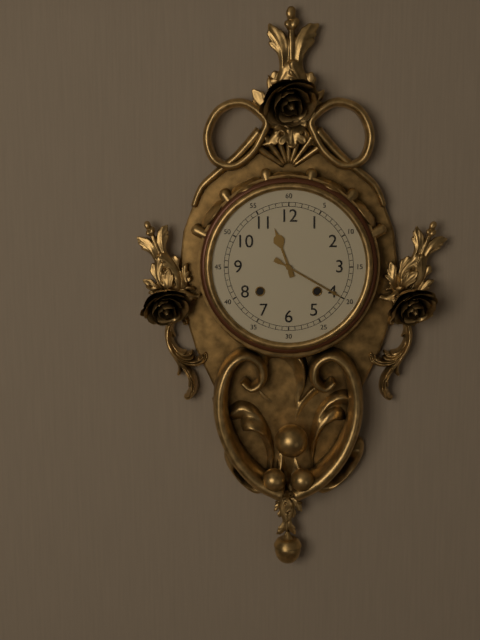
h=11 m=20
